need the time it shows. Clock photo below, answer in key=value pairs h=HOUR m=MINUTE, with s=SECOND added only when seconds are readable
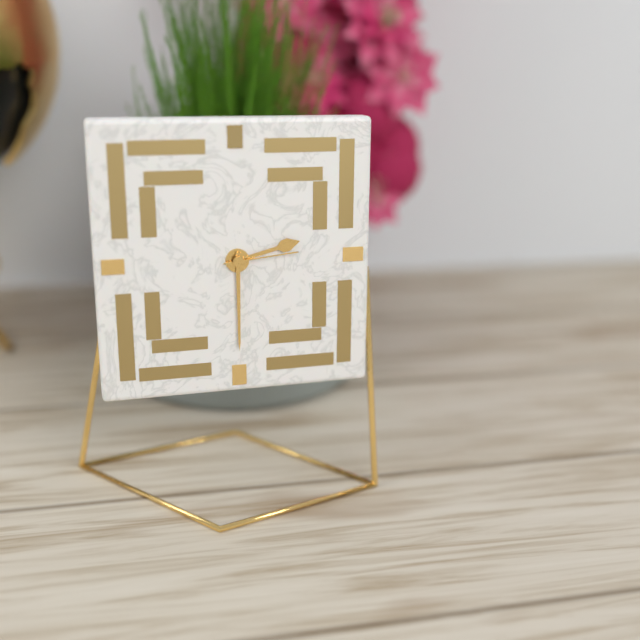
h=2 m=30 s=14
